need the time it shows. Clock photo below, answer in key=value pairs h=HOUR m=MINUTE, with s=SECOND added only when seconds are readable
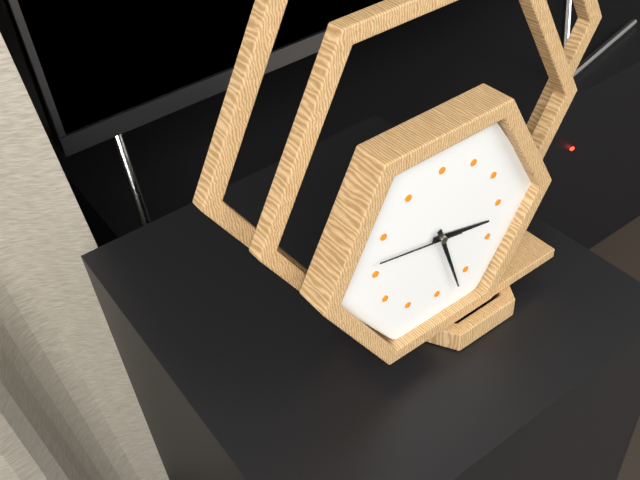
h=3 m=27 s=47
